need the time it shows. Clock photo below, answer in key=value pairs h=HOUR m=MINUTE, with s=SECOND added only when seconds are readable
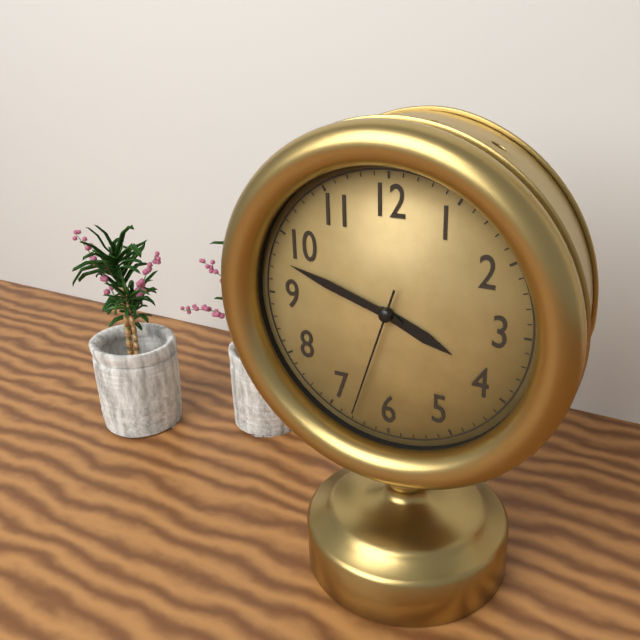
h=3 m=48 s=33
